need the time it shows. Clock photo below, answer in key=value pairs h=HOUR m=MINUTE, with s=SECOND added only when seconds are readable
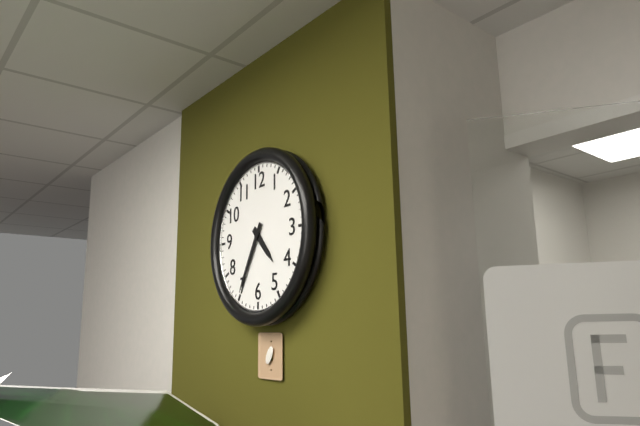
h=4 m=35
